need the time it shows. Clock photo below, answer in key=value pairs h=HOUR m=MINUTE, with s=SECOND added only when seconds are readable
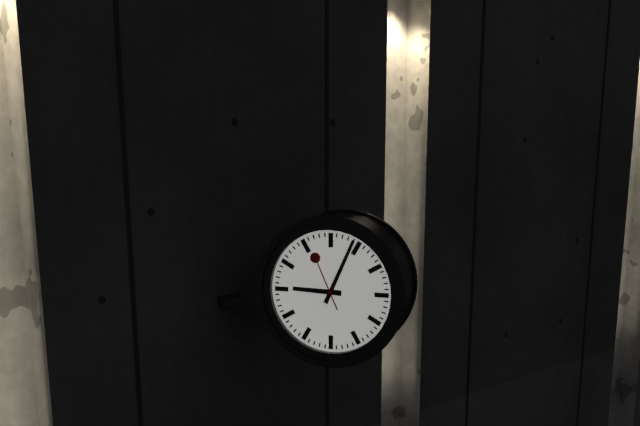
h=9 m=4 s=56
